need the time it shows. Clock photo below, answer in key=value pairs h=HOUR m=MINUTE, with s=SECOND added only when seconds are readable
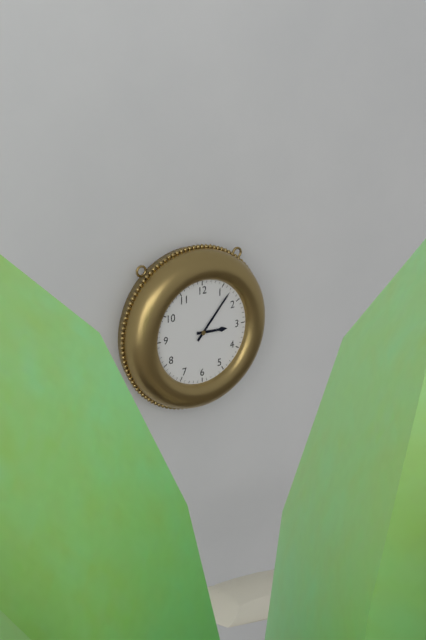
h=3 m=7
